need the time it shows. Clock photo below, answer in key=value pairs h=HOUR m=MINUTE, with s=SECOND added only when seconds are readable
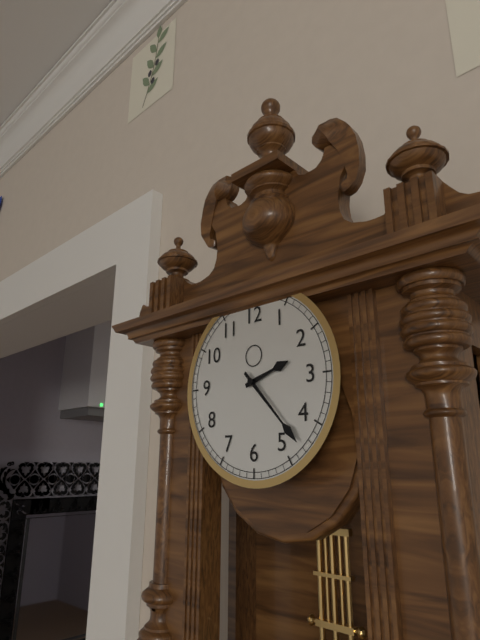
h=2 m=23
